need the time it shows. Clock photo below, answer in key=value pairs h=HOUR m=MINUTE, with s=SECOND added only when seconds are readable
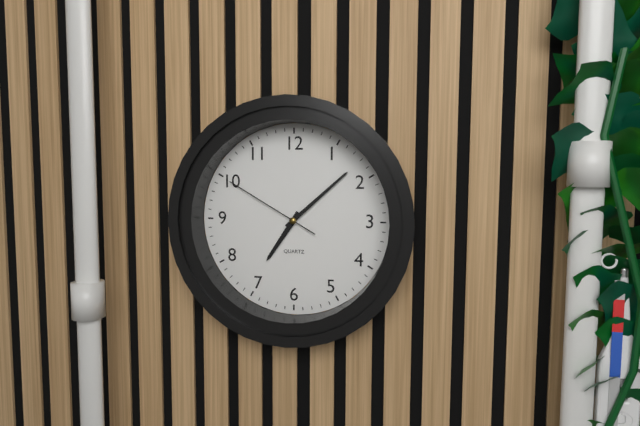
h=7 m=8 s=50
